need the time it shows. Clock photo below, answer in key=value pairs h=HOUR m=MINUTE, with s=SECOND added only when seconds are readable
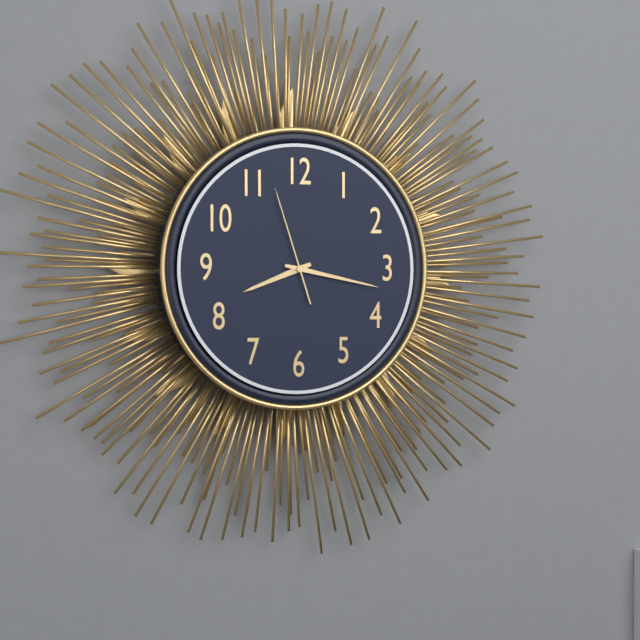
h=8 m=17 s=57
